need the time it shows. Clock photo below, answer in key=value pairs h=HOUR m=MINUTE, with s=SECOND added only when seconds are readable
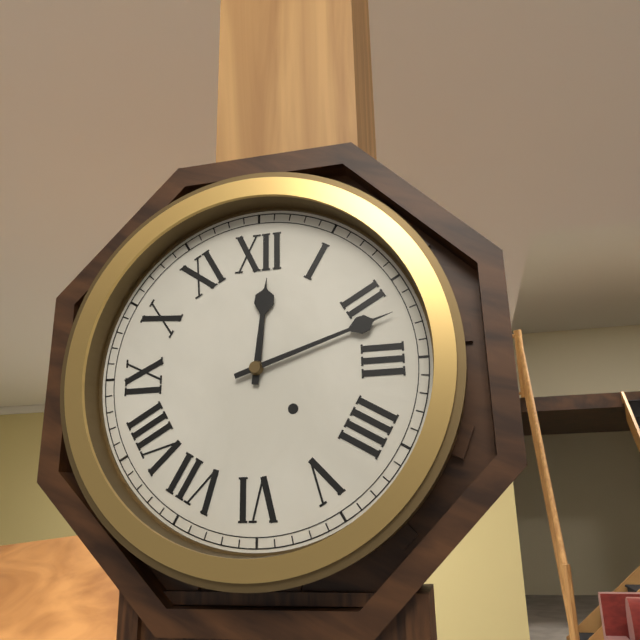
h=12 m=12
